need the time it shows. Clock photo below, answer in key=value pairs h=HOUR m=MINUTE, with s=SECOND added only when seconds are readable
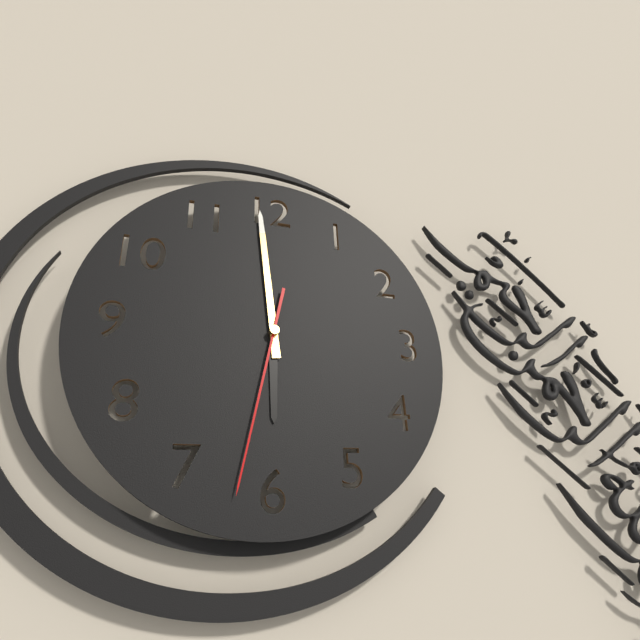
h=5 m=59 s=32
